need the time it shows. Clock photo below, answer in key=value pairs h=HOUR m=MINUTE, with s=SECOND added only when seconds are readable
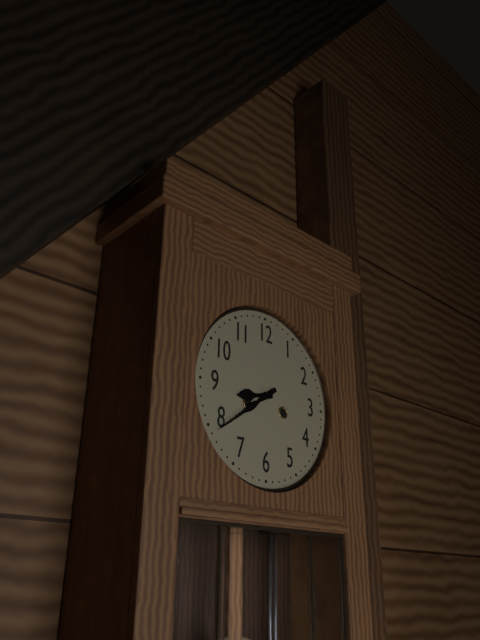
h=8 m=39
